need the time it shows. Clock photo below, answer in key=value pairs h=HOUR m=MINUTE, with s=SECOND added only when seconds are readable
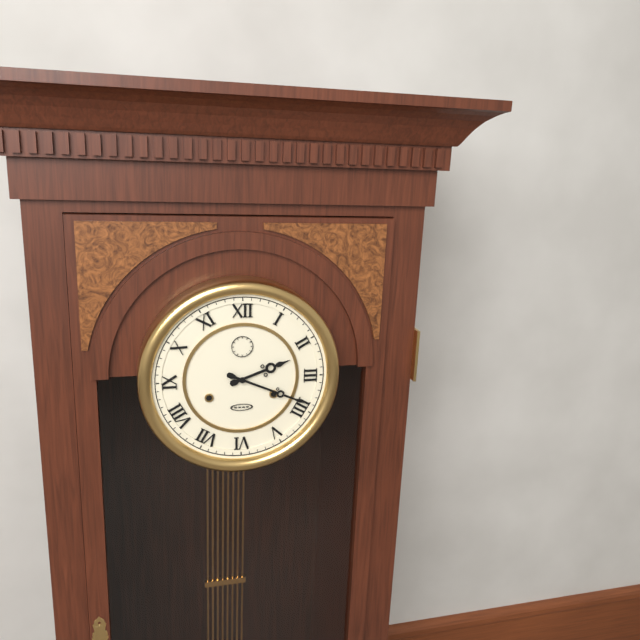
h=2 m=19
